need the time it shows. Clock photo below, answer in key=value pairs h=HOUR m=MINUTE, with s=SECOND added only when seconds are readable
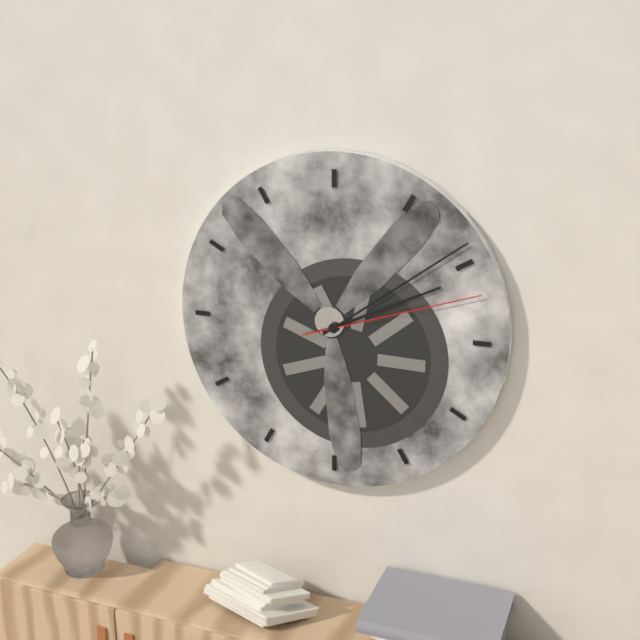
h=2 m=9 s=12
